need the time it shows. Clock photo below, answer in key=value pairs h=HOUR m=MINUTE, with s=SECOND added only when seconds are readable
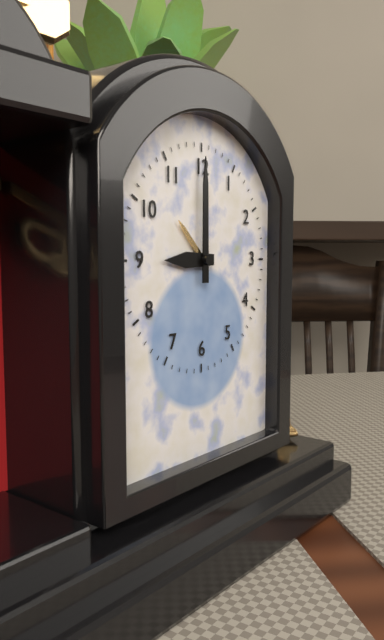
h=9 m=0
